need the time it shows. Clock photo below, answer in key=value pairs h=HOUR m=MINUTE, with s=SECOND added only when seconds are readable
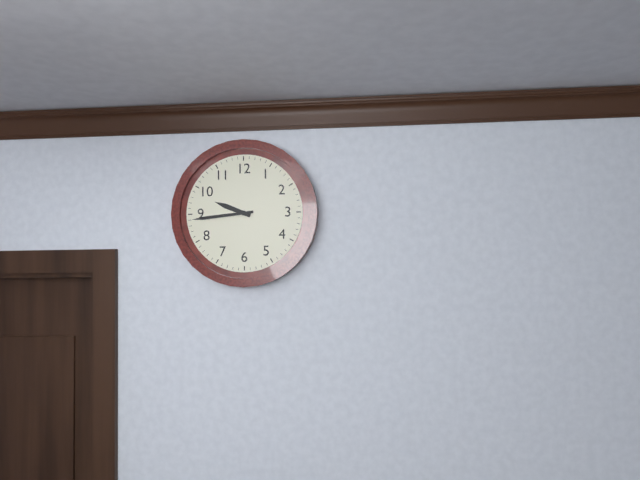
h=9 m=44
